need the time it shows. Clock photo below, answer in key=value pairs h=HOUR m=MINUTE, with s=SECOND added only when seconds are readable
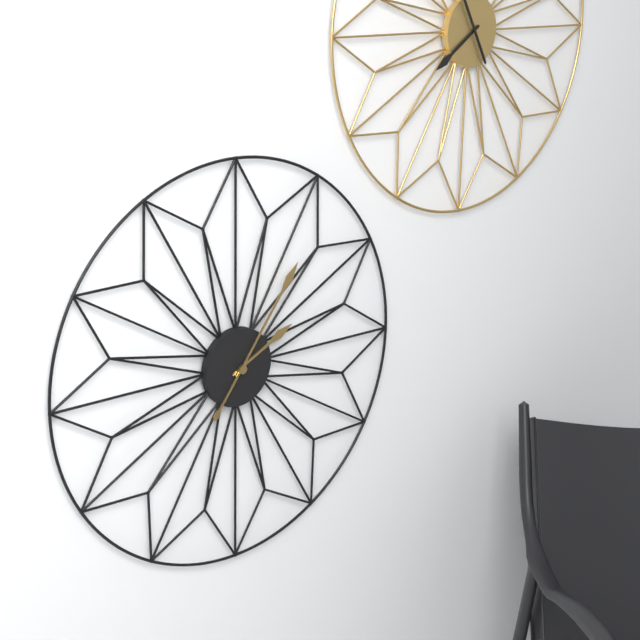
h=2 m=6
